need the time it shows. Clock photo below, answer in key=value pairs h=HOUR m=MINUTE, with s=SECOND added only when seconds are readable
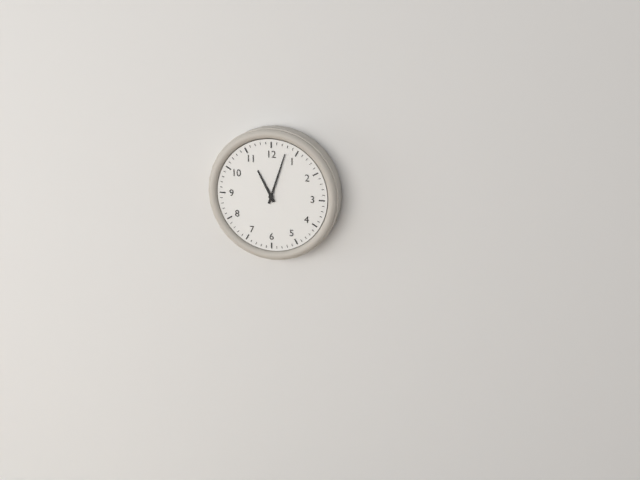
h=11 m=3
